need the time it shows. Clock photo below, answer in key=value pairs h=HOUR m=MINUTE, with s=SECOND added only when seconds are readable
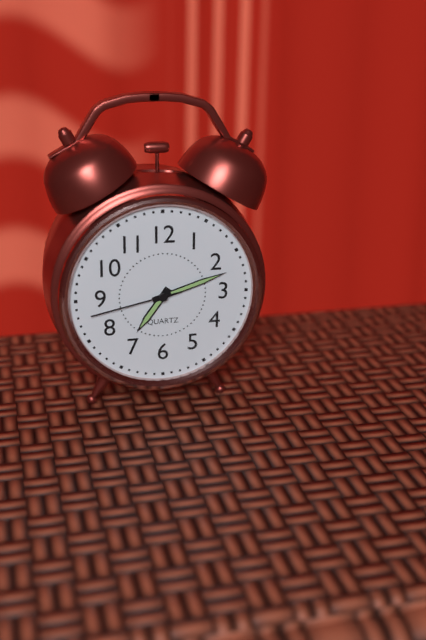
h=7 m=12 s=43
